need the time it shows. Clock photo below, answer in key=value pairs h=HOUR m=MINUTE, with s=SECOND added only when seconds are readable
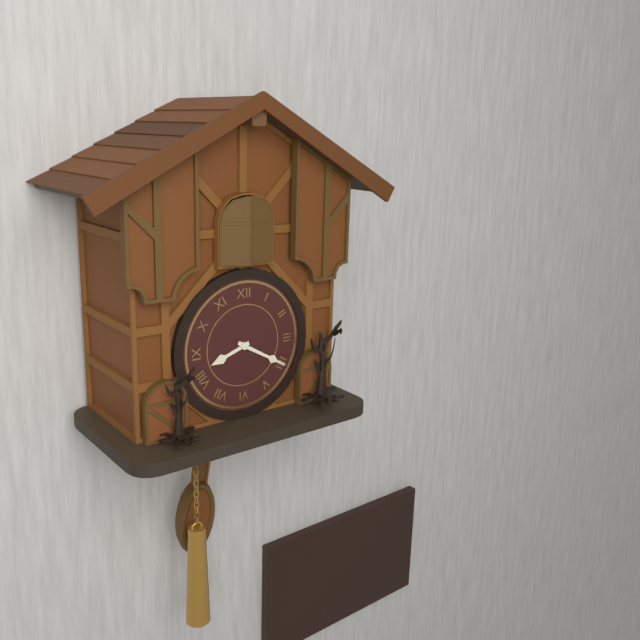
h=8 m=20
